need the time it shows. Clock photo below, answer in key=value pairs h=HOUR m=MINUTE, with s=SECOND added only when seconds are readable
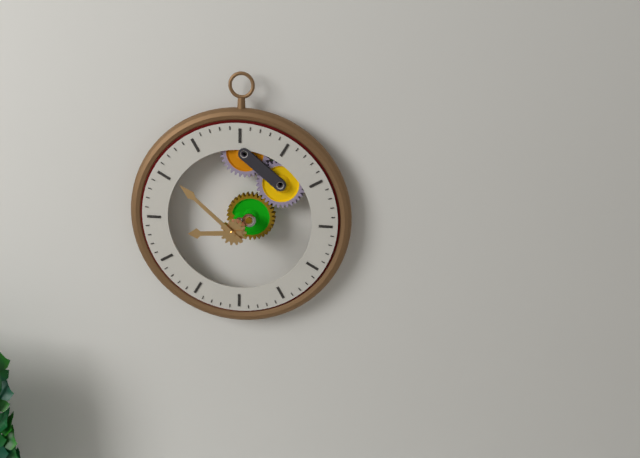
h=8 m=52
